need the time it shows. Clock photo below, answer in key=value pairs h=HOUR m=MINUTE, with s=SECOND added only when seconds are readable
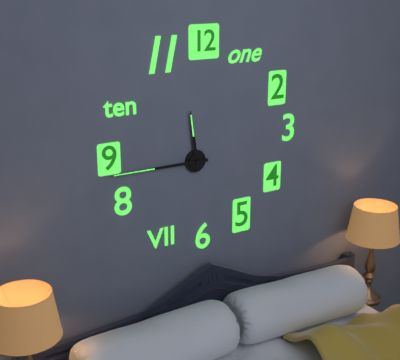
h=11 m=45
